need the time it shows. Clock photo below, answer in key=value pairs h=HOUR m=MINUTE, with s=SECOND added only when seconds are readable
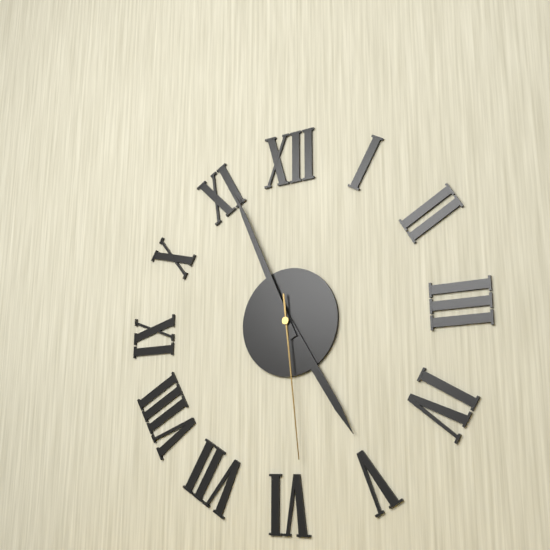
h=4 m=56 s=29
